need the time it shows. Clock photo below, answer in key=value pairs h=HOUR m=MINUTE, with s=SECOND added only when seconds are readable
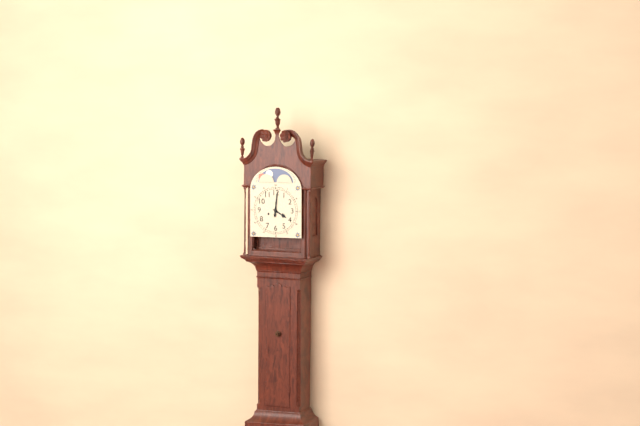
h=4 m=1
